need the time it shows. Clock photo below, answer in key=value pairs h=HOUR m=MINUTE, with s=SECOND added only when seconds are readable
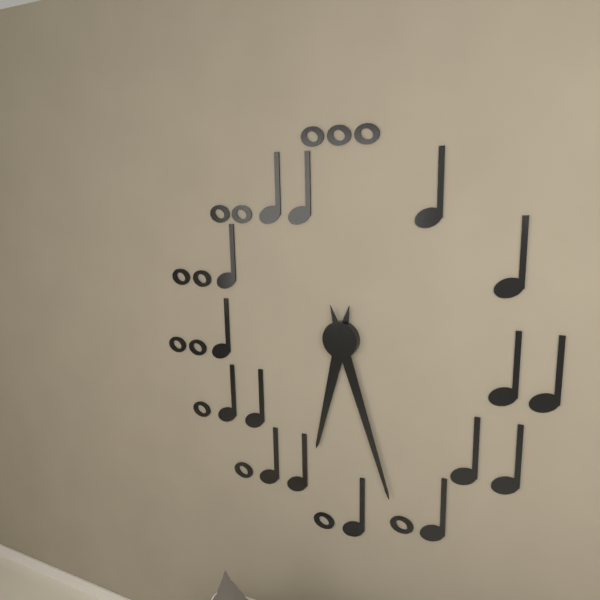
h=6 m=27
